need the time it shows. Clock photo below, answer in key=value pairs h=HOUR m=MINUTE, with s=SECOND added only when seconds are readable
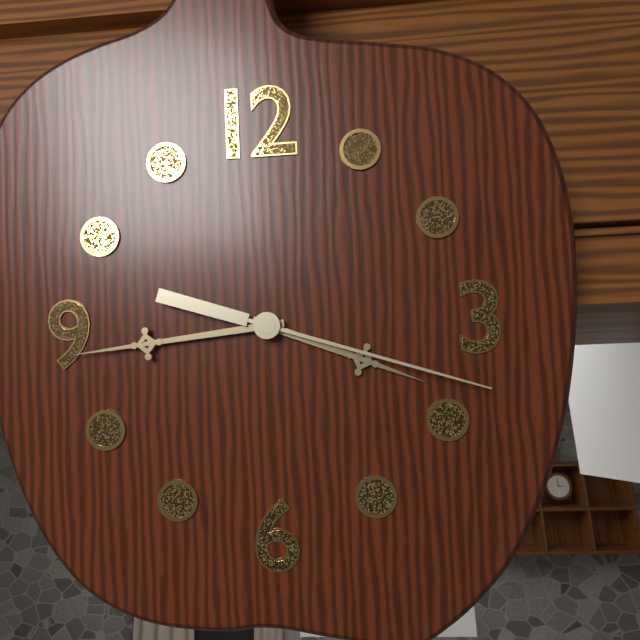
h=3 m=44 s=18
